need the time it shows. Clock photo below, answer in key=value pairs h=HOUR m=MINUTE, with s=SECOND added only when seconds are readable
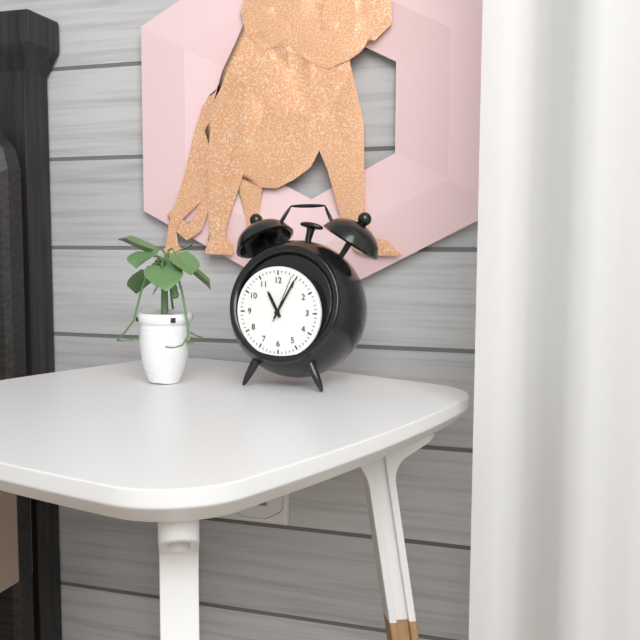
h=11 m=5
